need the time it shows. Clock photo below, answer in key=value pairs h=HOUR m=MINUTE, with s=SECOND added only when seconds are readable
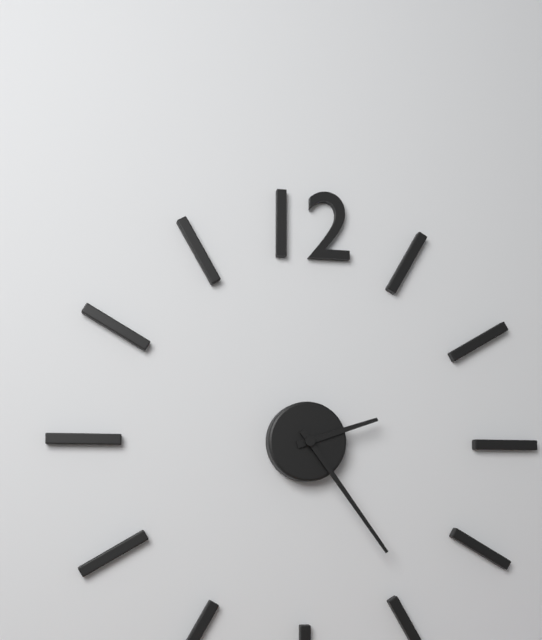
h=2 m=24
